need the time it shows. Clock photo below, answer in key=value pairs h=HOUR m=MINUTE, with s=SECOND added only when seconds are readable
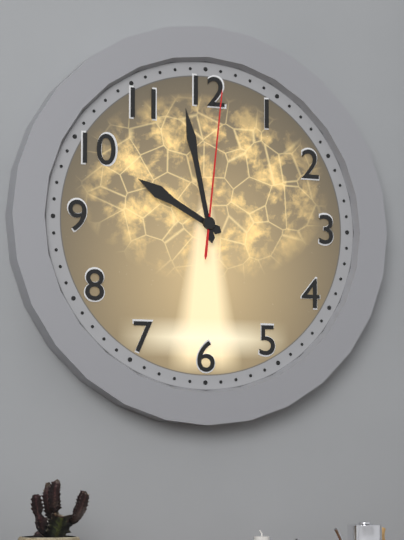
h=9 m=58 s=1
